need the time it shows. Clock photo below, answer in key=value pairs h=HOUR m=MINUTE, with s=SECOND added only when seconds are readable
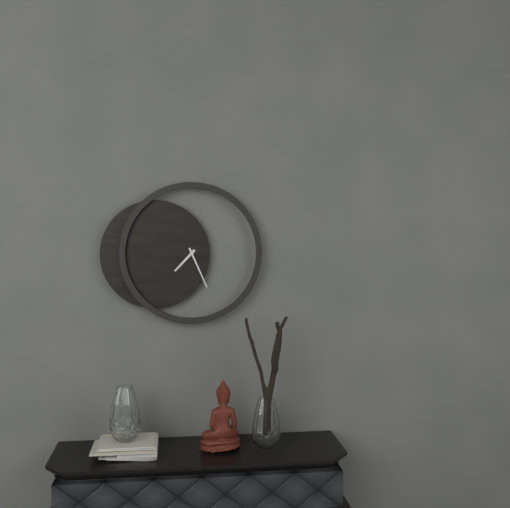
h=7 m=26
